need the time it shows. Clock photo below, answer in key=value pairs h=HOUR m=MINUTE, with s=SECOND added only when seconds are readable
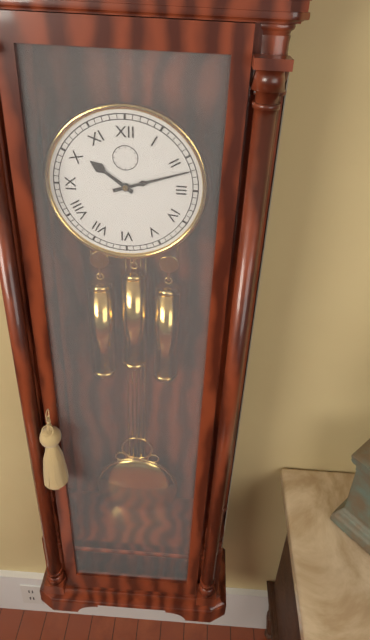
h=10 m=12
